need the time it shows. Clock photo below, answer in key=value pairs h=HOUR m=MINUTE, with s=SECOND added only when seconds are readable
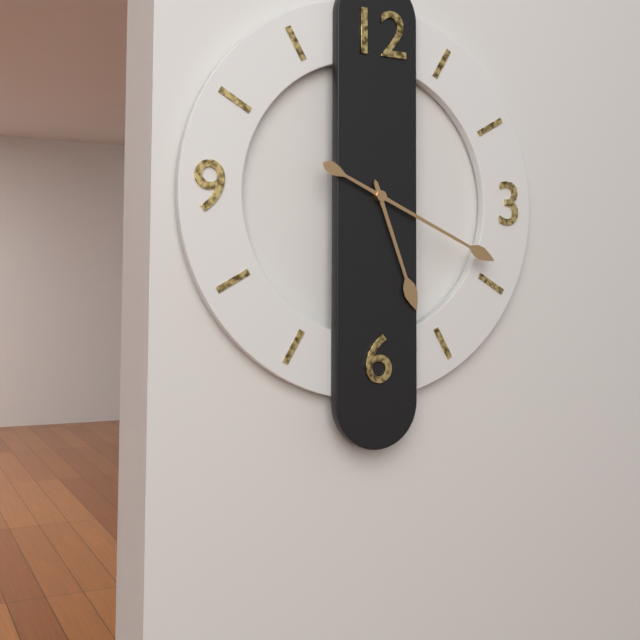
h=5 m=19
